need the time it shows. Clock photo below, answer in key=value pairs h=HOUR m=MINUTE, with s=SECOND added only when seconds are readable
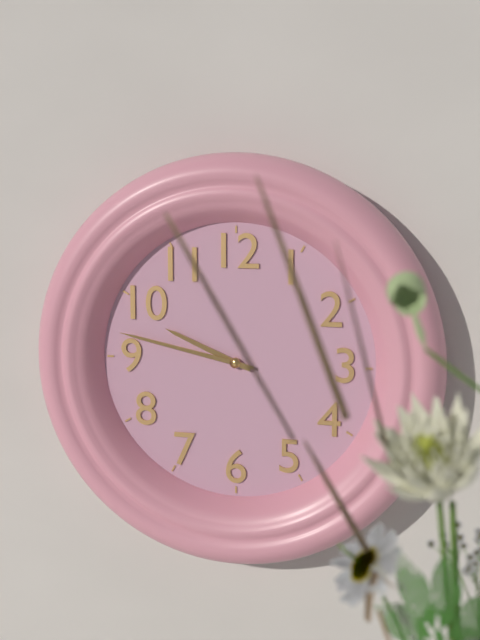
h=9 m=47
